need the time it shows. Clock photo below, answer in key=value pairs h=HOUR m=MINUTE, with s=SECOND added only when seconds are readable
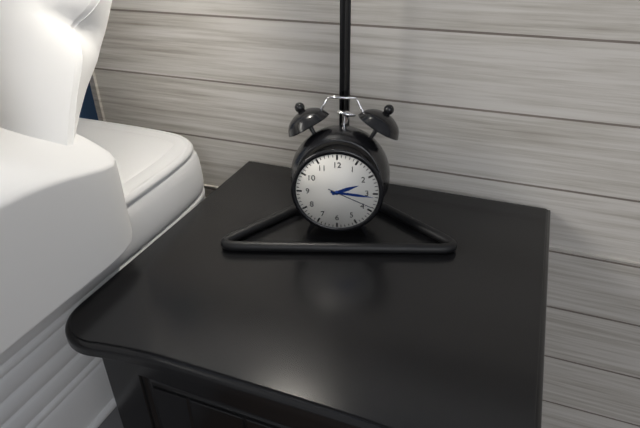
h=2 m=16
